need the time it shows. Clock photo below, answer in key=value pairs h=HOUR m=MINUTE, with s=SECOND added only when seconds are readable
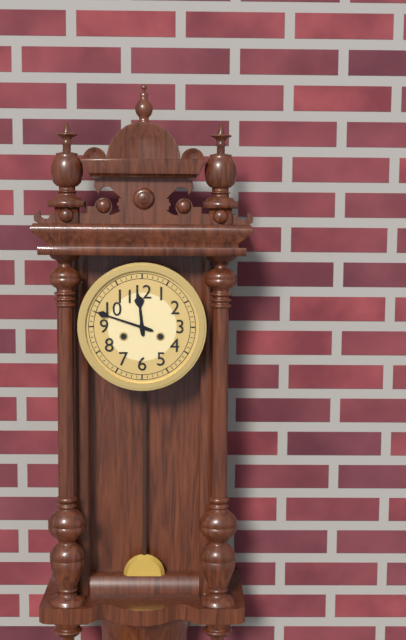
h=11 m=48
